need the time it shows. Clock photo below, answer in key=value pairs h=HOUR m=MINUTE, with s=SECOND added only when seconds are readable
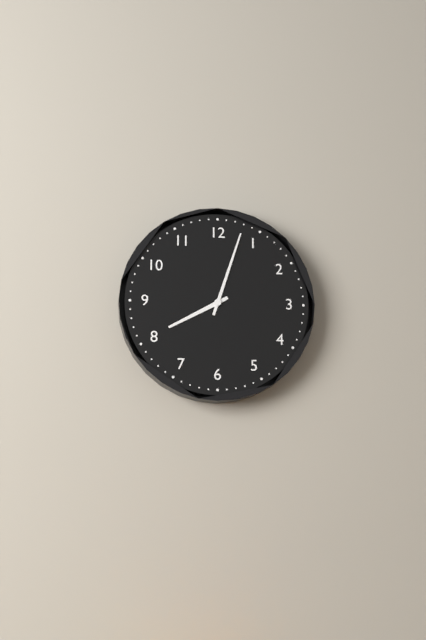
h=8 m=3
